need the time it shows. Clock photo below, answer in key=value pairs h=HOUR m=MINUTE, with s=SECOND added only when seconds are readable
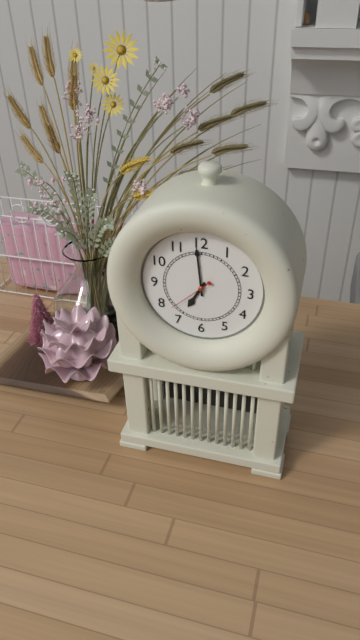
h=6 m=59
